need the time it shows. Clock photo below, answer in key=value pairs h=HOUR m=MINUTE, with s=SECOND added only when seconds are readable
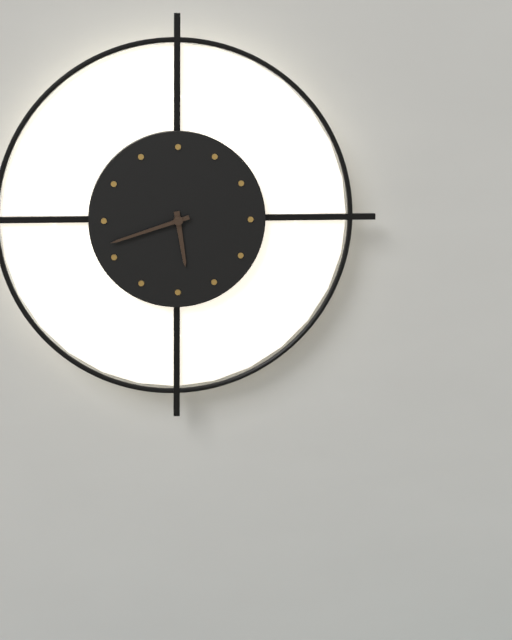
h=5 m=42
